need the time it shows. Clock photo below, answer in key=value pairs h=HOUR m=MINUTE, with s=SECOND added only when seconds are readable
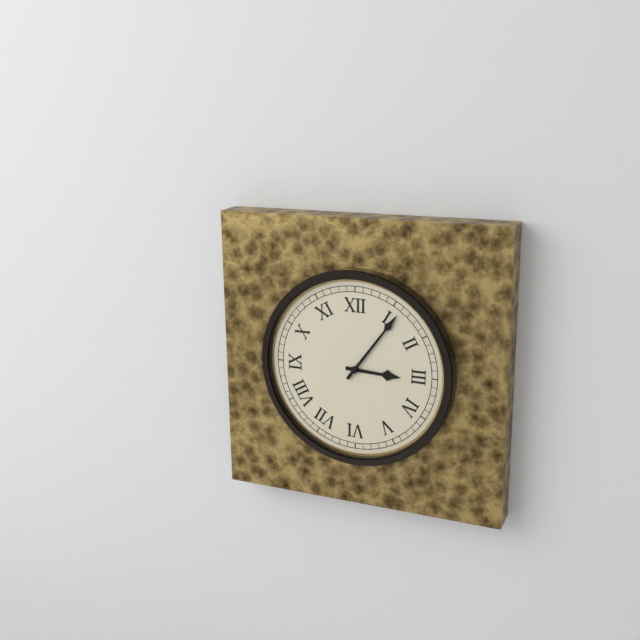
h=3 m=6
